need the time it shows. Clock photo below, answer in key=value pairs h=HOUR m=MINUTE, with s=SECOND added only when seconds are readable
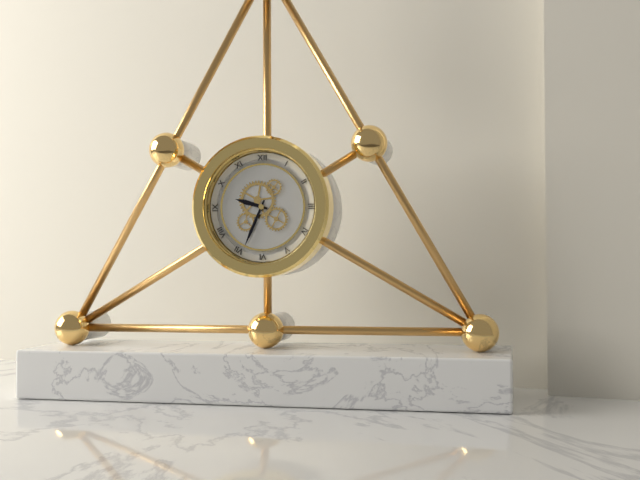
h=9 m=34
